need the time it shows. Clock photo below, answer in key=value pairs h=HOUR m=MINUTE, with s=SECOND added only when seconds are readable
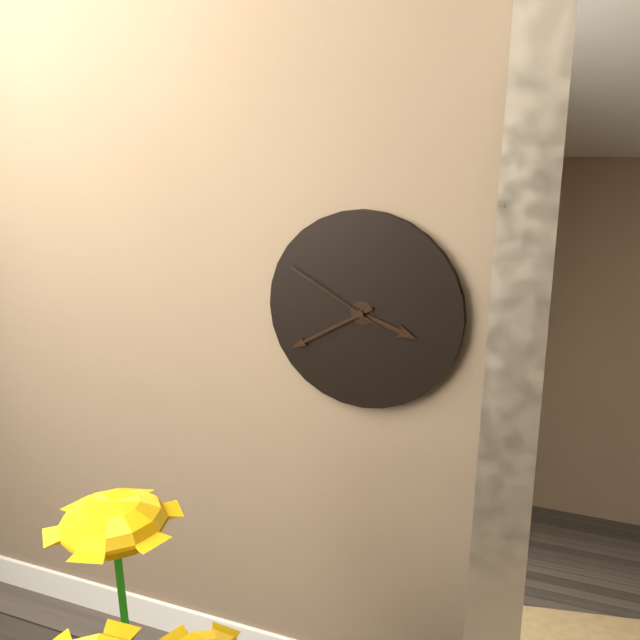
h=3 m=40 s=50
